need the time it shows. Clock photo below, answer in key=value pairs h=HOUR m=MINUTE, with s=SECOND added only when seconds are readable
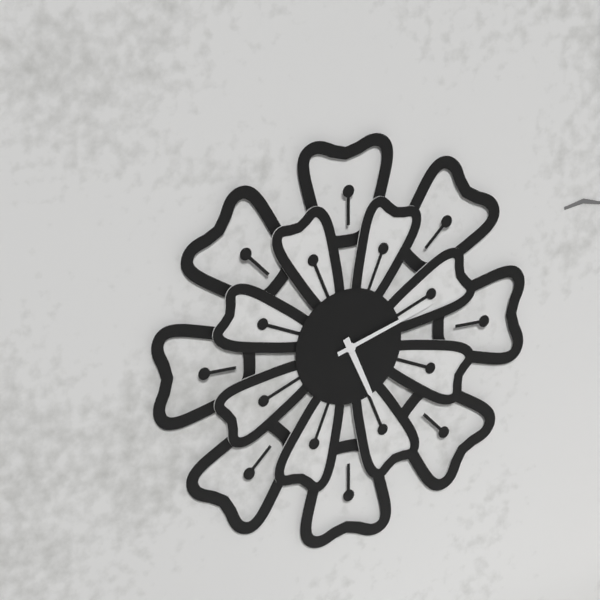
h=5 m=12
